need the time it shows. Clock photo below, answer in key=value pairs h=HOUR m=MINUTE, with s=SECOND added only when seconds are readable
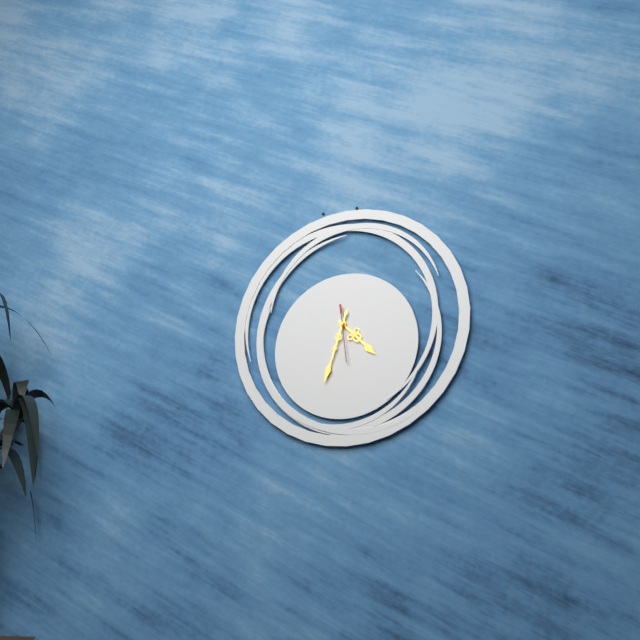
h=4 m=33
